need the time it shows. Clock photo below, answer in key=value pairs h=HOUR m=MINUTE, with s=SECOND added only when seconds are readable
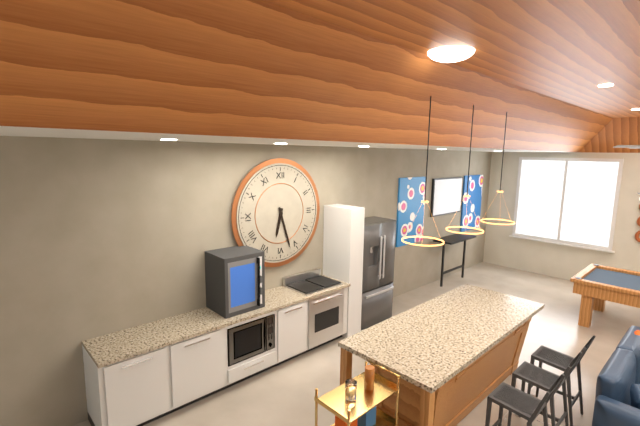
h=6 m=27
